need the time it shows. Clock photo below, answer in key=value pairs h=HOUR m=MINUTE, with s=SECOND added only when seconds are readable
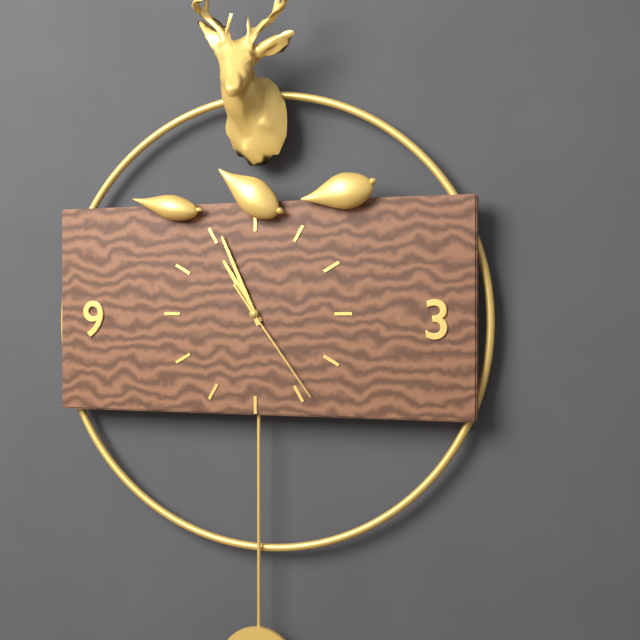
h=10 m=56 s=24
